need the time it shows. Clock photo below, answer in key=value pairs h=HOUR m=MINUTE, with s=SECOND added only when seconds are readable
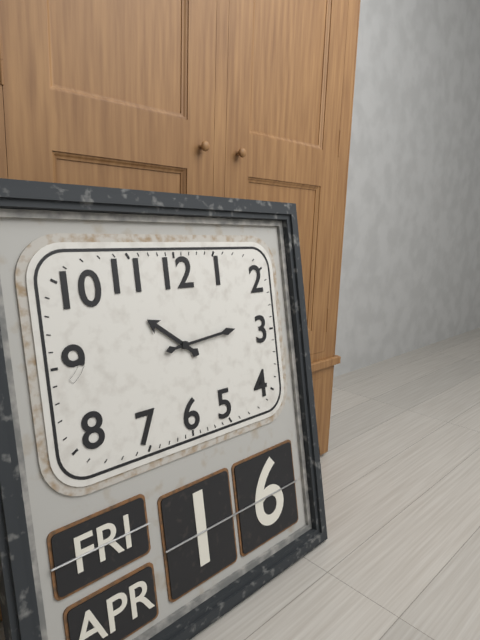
h=10 m=14
